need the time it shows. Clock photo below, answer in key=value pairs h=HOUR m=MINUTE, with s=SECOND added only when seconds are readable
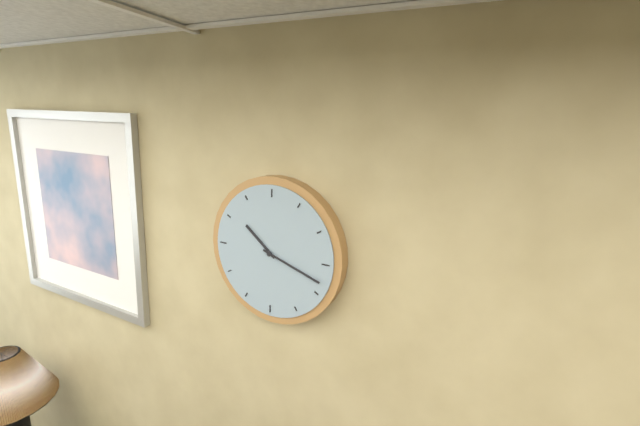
h=10 m=18
